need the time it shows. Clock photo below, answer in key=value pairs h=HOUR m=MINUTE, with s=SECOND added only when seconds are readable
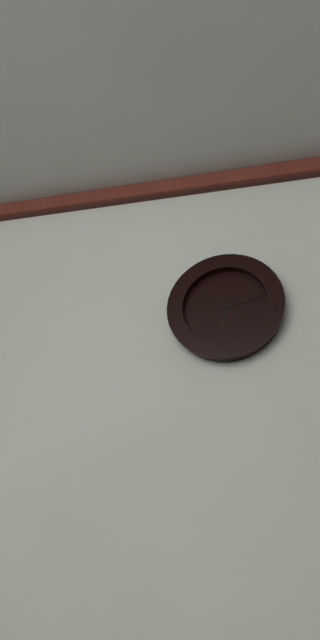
h=6 m=13
